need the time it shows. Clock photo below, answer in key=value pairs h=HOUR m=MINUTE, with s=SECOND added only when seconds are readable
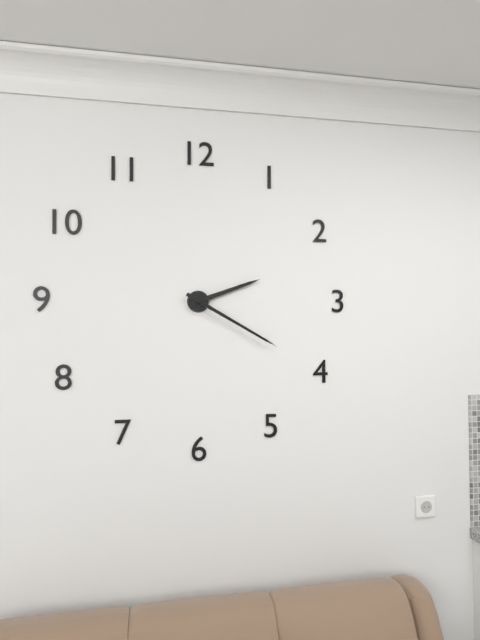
h=2 m=20
